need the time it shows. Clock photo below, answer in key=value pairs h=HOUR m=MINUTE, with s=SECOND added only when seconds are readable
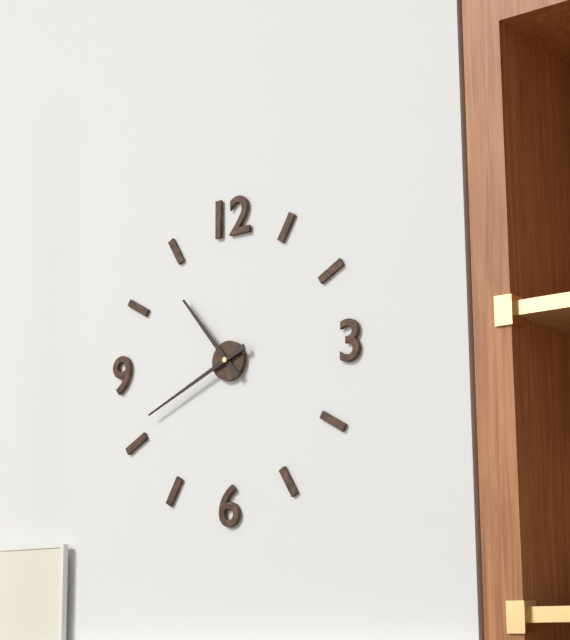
h=10 m=41
